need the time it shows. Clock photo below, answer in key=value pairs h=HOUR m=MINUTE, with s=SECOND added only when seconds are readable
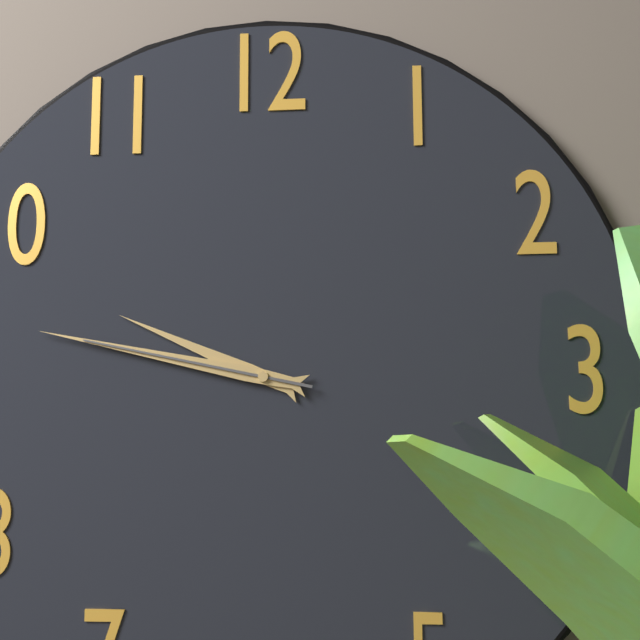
h=9 m=47 s=47
